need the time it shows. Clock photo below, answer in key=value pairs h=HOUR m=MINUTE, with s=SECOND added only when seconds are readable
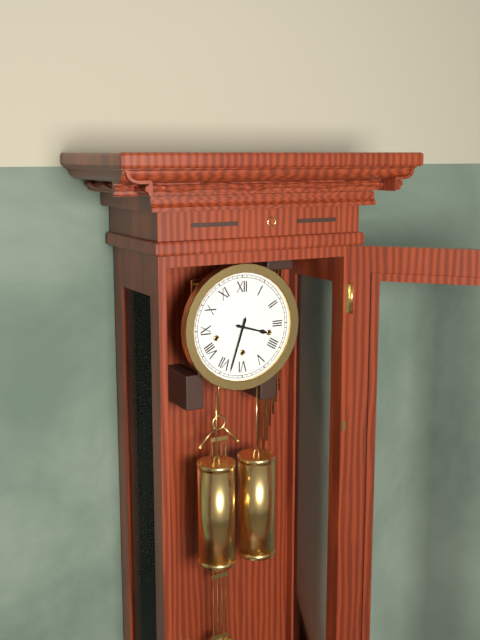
h=3 m=33
